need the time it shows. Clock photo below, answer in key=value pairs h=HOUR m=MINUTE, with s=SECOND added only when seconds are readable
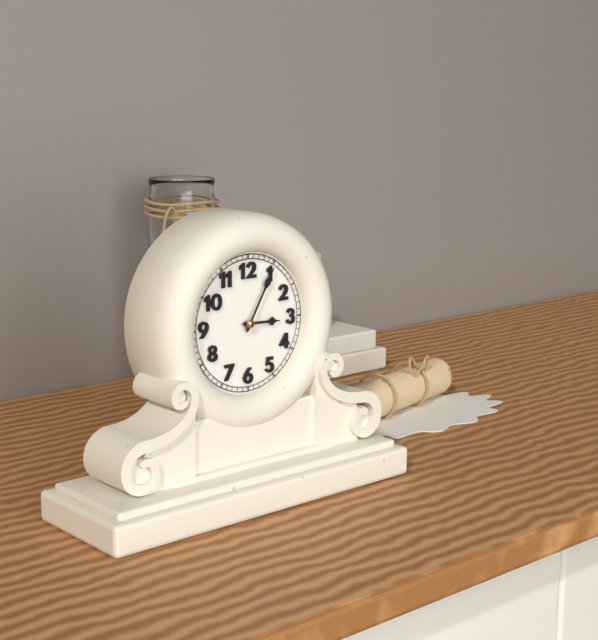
h=3 m=5
